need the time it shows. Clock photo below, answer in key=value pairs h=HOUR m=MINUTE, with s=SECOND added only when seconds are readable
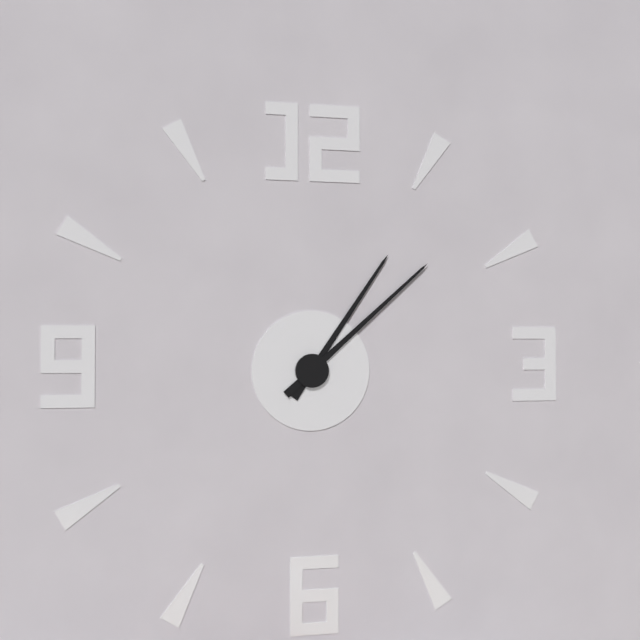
h=1 m=8
